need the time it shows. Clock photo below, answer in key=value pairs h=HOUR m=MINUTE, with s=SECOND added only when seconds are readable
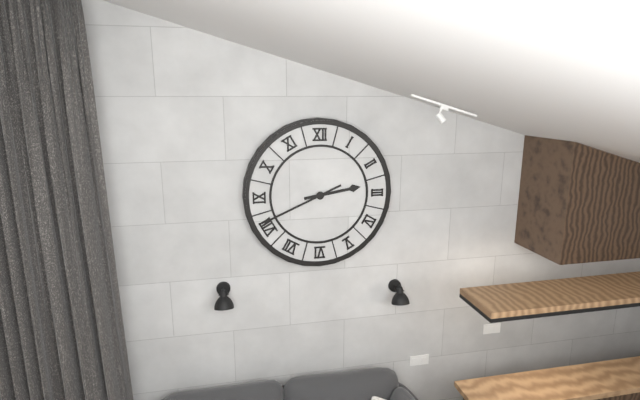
h=2 m=41
